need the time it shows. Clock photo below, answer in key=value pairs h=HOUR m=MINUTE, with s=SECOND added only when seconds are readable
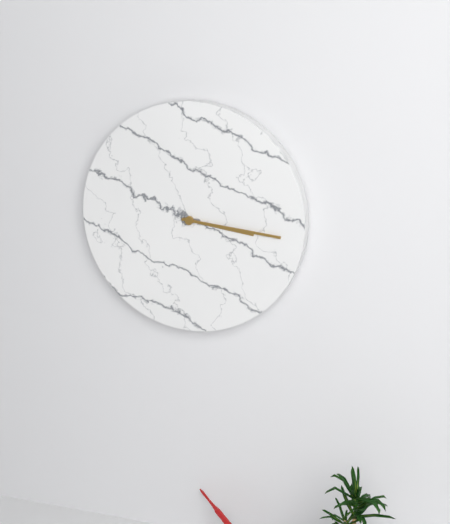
h=3 m=16
